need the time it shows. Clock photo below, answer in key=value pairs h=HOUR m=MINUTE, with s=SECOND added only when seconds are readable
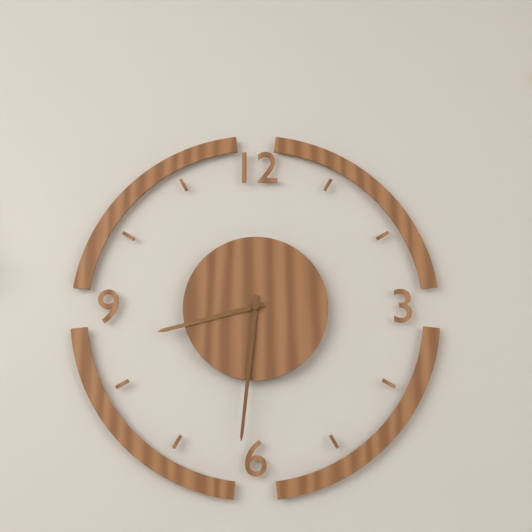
h=8 m=31
